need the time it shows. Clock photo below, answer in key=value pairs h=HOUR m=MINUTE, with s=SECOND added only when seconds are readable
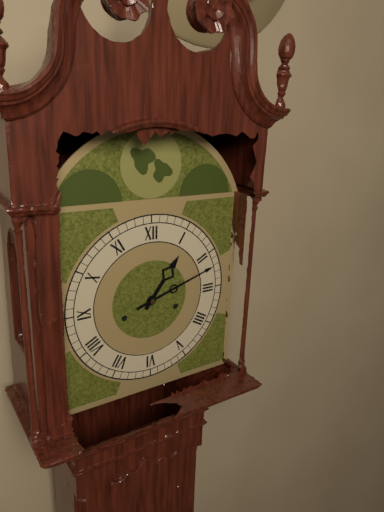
h=1 m=12
